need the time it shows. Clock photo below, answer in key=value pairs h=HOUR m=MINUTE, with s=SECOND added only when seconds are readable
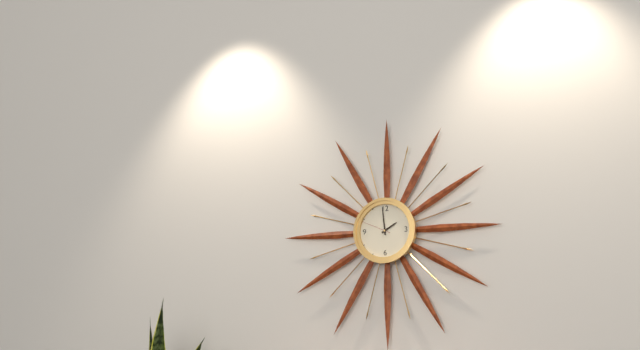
h=1 m=59
